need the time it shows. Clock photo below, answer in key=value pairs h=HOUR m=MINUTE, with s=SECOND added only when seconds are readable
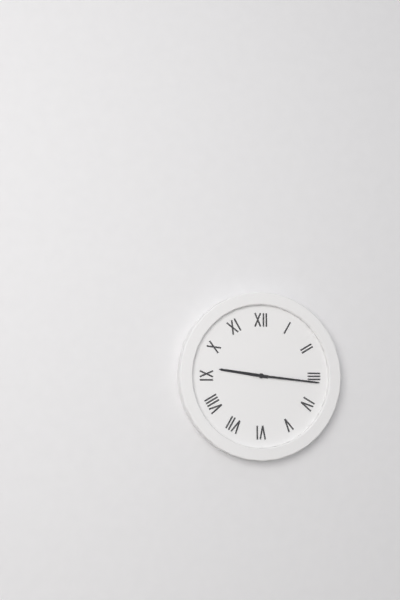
h=9 m=16
